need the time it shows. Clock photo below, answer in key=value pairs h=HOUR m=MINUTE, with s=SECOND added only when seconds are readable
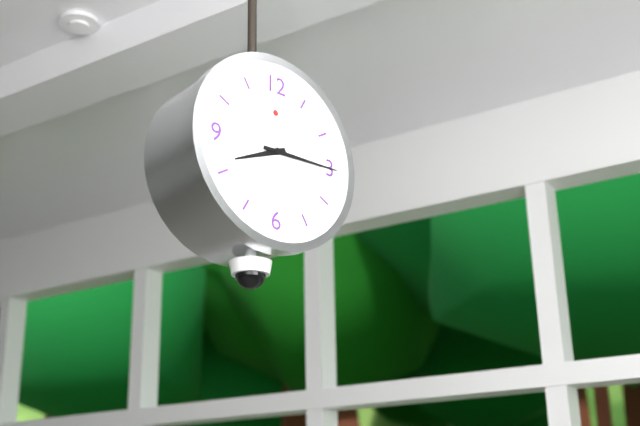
h=8 m=15
